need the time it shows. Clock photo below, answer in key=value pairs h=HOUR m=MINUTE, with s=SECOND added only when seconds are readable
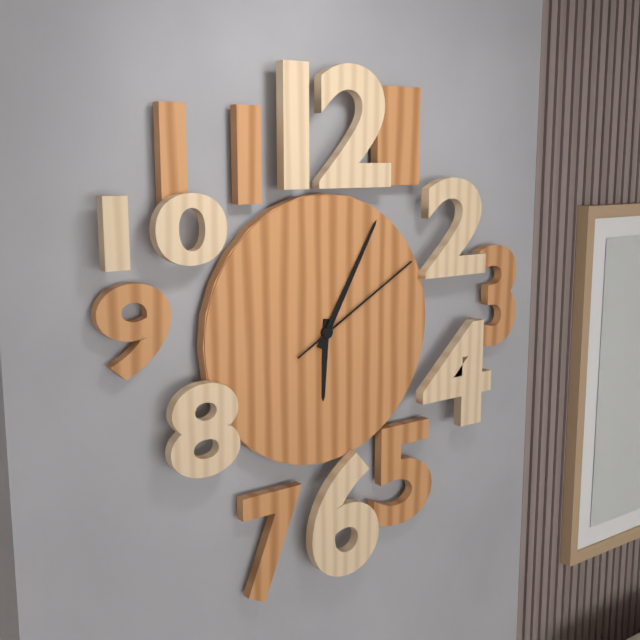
h=6 m=5 s=10
